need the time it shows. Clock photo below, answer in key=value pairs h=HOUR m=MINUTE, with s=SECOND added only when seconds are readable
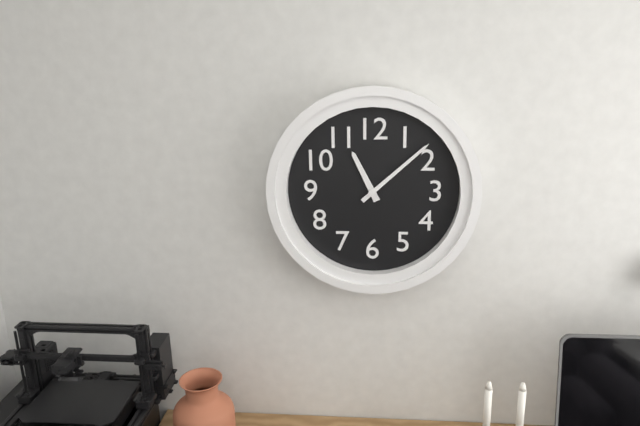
h=11 m=8
